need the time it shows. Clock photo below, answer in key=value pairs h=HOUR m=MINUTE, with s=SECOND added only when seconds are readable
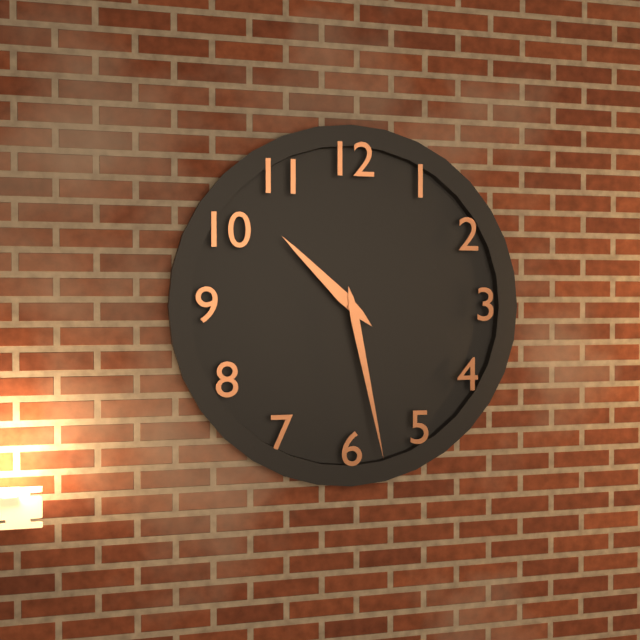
h=10 m=28
